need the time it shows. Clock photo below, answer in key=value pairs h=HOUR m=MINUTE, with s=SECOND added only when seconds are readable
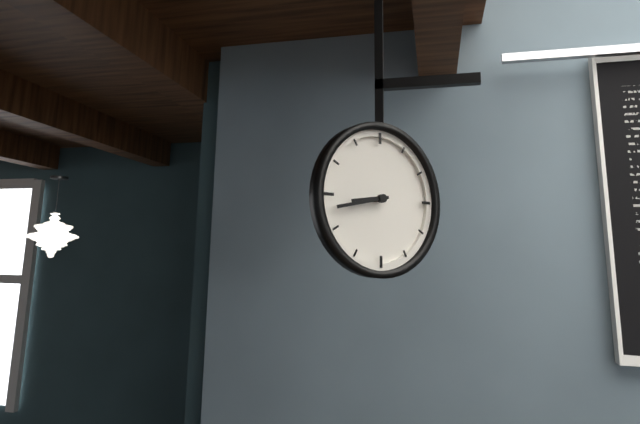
h=8 m=43
